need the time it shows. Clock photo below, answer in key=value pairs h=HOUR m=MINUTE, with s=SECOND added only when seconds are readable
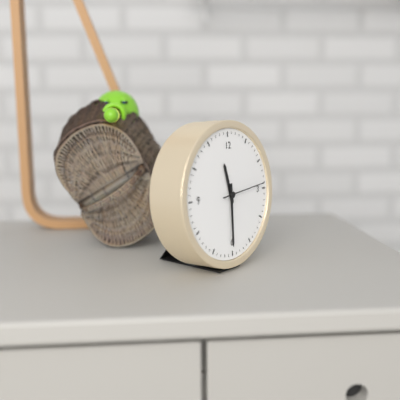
h=11 m=30
